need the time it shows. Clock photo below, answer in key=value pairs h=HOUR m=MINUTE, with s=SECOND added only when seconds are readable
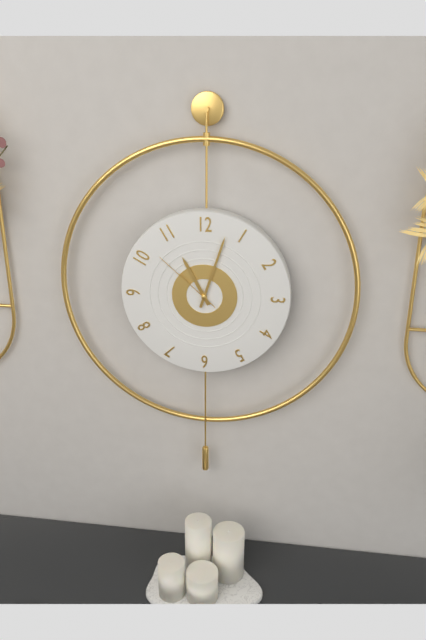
h=11 m=3 s=52
